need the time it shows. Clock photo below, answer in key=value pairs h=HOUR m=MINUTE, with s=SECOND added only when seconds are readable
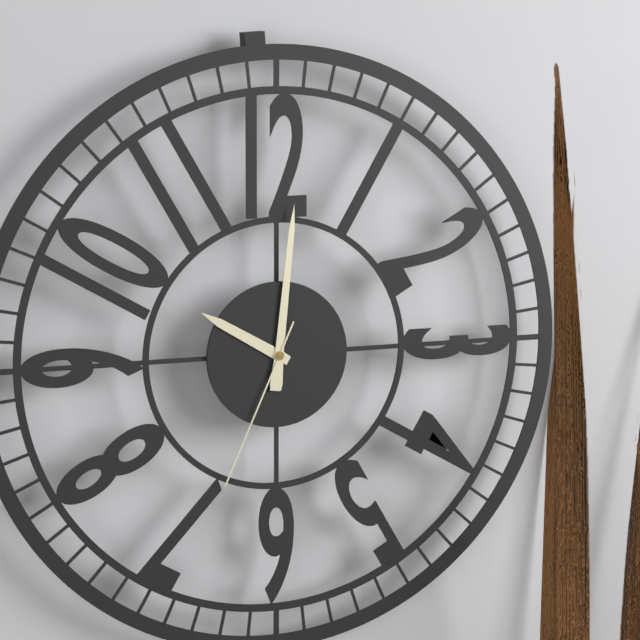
h=10 m=1 s=34
